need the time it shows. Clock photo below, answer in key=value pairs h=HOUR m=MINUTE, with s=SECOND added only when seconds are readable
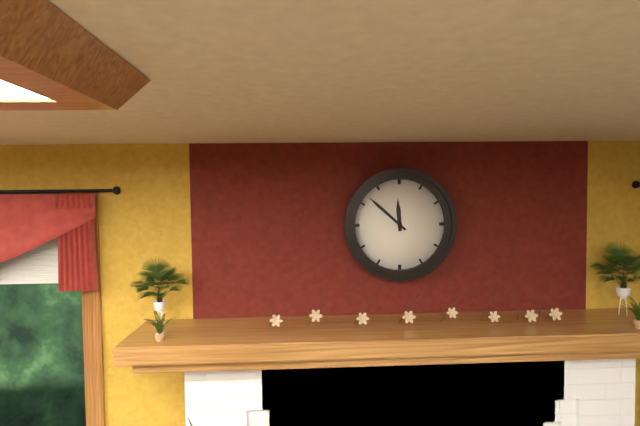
h=11 m=52
